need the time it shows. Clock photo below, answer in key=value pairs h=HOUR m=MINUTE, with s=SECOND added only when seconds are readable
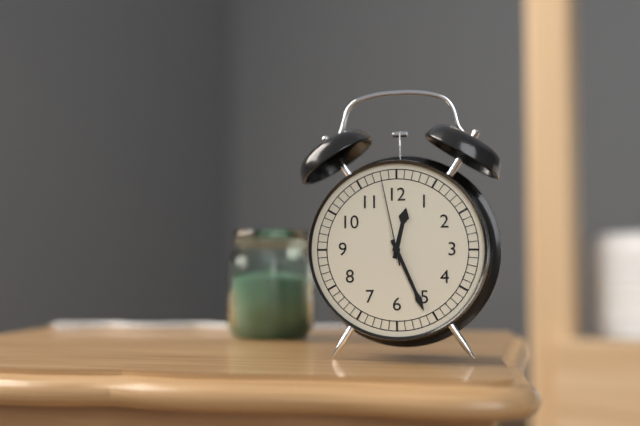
h=12 m=26 s=58
